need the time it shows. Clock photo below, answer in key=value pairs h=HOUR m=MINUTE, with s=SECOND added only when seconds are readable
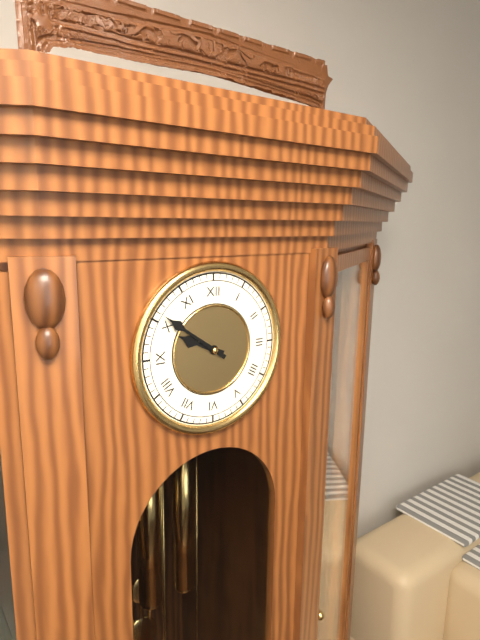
h=9 m=51
